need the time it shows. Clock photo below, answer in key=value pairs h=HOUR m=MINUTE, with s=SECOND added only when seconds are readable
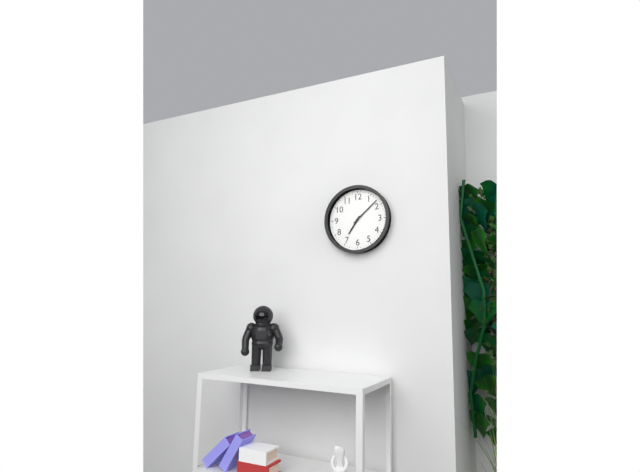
h=7 m=8
